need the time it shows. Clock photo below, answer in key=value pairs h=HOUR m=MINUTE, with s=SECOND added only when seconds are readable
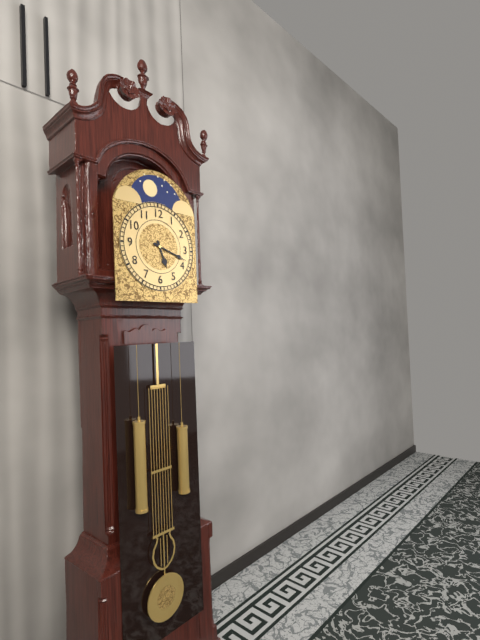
h=5 m=18
